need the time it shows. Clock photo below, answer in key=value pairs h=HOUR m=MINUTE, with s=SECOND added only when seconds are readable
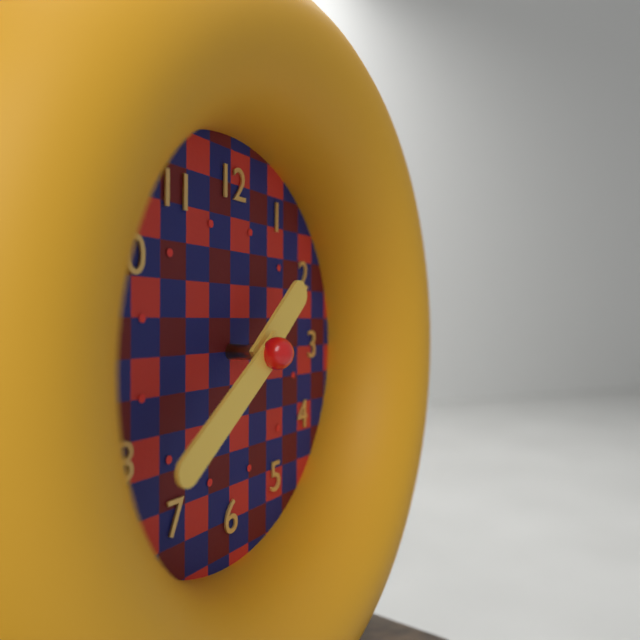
h=1 m=39
